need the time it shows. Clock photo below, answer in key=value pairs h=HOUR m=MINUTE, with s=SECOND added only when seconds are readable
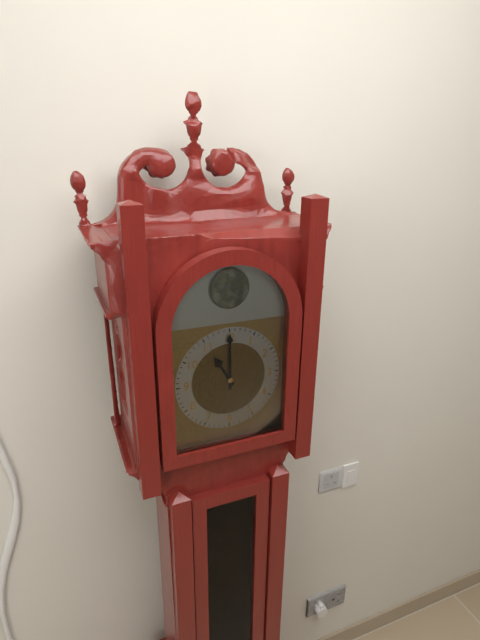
h=11 m=0
